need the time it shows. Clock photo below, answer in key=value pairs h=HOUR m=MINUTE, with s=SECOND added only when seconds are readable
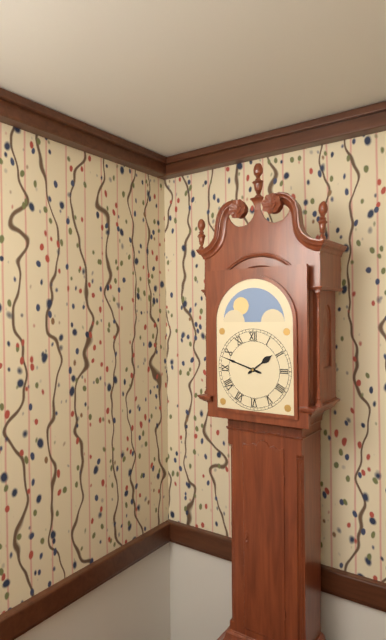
h=1 m=48
